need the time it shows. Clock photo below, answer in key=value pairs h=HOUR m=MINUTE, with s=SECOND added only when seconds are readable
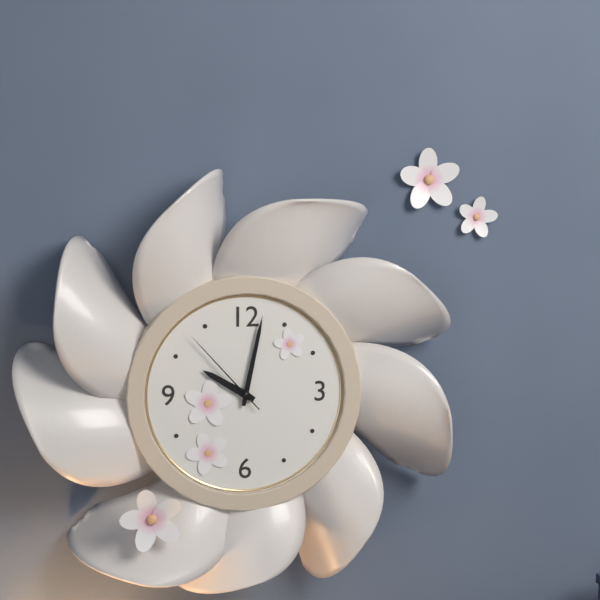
h=10 m=2 s=53
